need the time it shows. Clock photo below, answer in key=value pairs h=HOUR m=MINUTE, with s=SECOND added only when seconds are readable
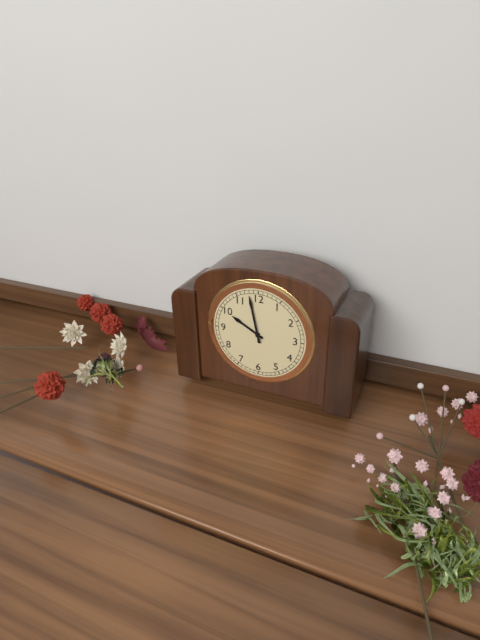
h=9 m=58
